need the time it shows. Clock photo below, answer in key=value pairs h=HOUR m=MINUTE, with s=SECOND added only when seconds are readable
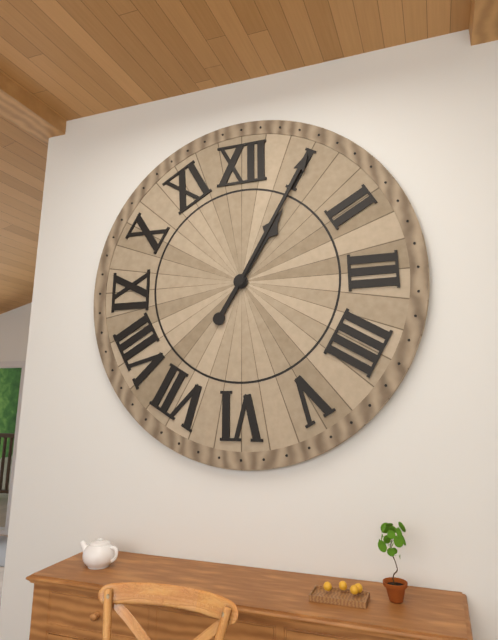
h=1 m=5
